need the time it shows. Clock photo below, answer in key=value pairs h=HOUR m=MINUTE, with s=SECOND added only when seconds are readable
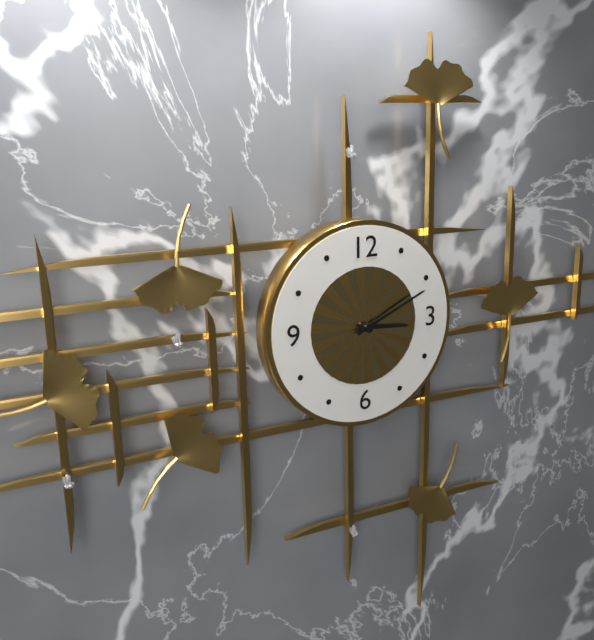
h=3 m=11
